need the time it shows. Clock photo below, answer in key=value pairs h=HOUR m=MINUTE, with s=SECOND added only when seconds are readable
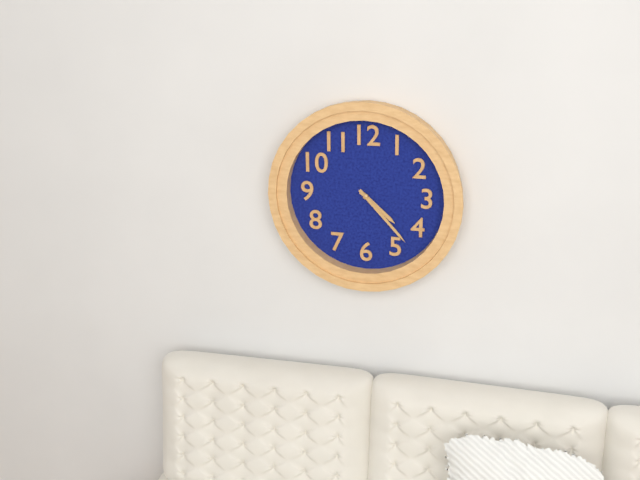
h=4 m=23
